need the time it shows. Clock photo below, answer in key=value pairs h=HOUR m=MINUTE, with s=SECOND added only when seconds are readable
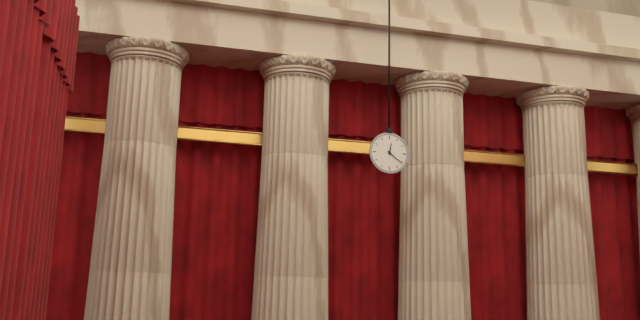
h=12 m=21
